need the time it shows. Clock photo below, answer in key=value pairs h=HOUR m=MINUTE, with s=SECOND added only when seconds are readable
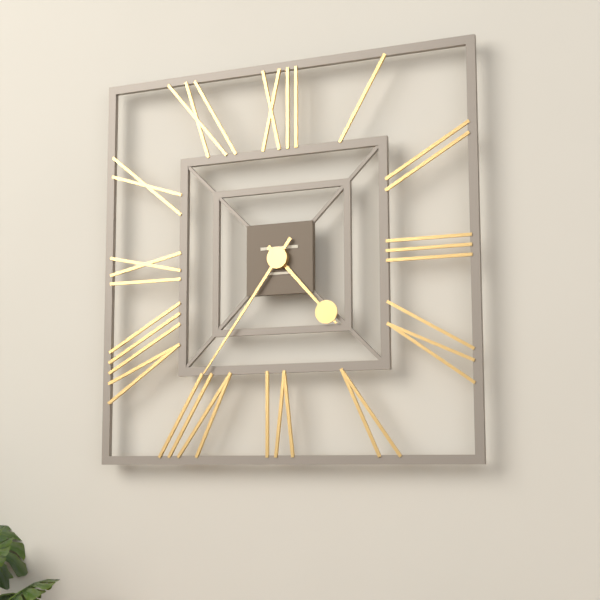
h=4 m=36
